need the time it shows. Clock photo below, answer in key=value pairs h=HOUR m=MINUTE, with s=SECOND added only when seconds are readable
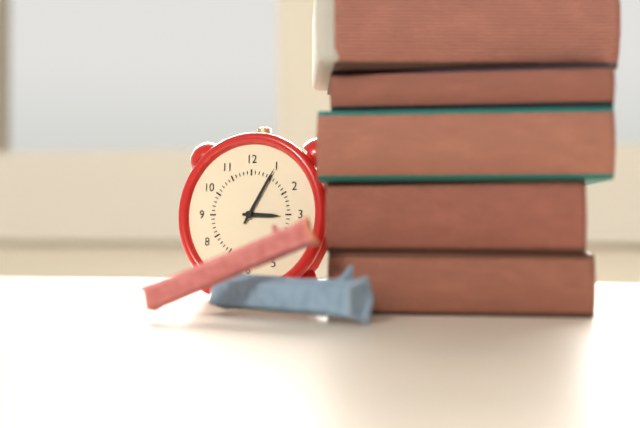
h=3 m=5
